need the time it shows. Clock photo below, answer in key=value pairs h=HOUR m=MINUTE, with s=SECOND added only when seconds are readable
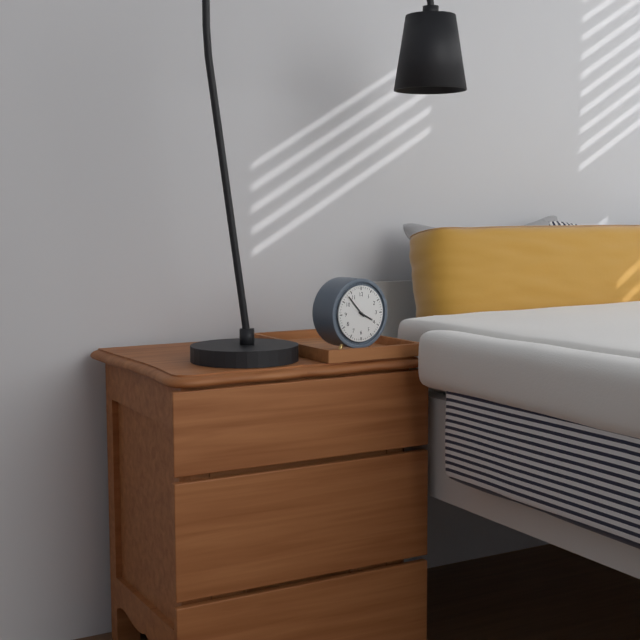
h=3 m=53
